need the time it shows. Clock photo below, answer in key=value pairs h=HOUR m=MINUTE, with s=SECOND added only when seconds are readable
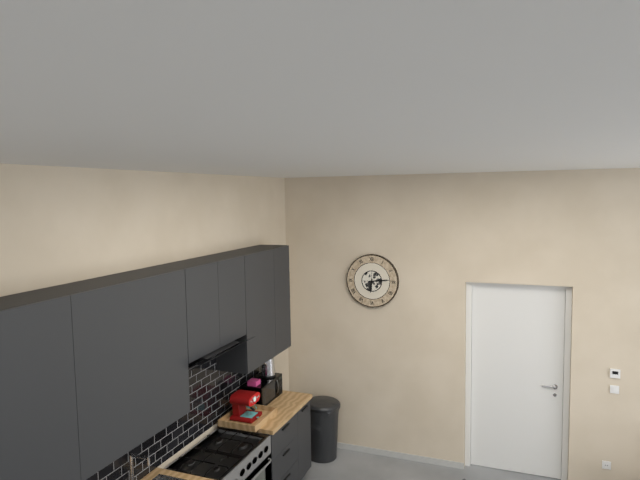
h=6 m=14
